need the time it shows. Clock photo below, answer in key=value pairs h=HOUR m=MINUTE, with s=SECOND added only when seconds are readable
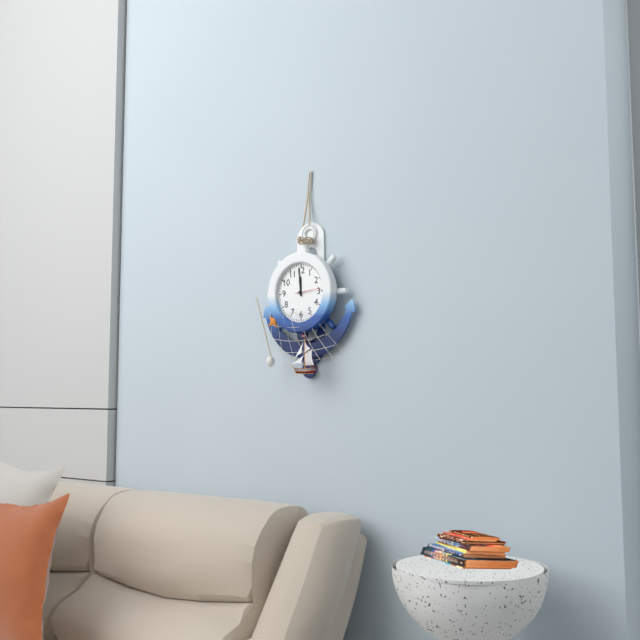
h=11 m=59
